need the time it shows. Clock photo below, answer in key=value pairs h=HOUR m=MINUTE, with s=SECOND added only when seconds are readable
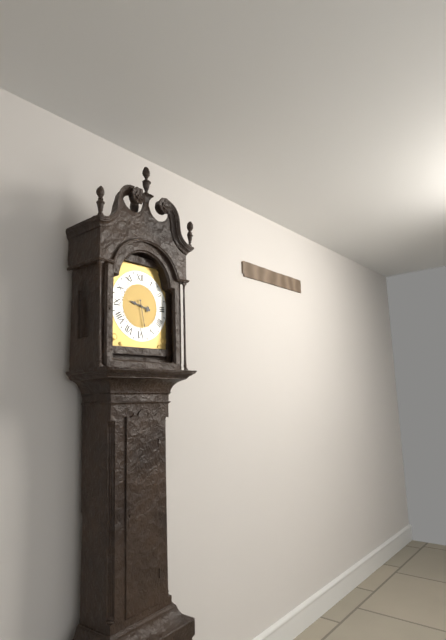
h=9 m=28
